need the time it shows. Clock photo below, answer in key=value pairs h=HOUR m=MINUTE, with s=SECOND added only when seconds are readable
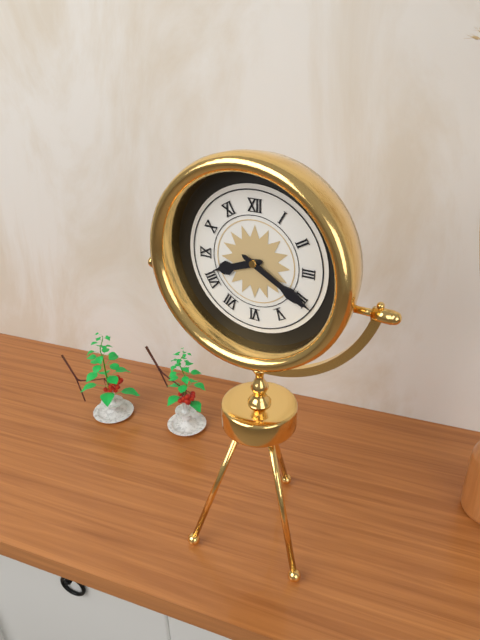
h=8 m=20
